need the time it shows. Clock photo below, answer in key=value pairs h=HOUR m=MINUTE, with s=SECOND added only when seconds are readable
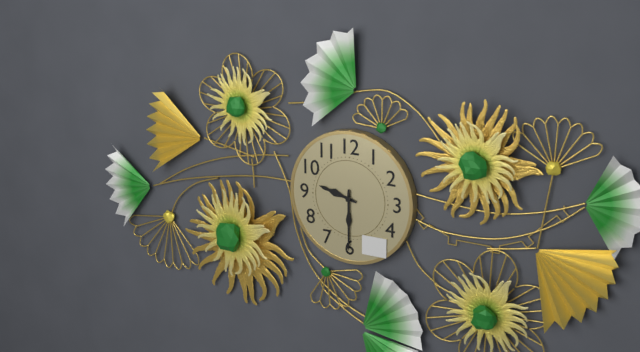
h=9 m=30
